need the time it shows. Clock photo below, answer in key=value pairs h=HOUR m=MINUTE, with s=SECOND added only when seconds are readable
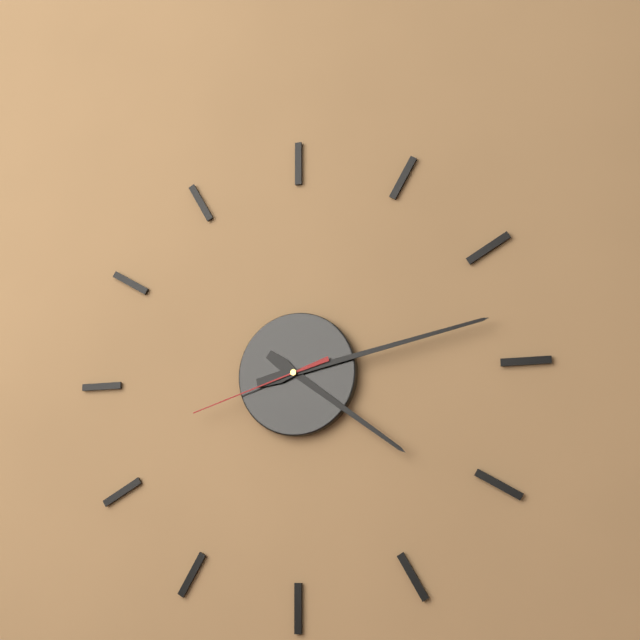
h=4 m=13 s=42
